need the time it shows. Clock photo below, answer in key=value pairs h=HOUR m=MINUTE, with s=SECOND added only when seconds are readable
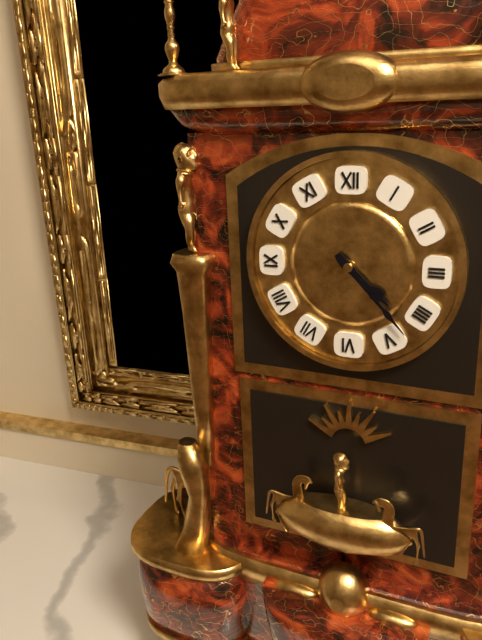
h=4 m=23
